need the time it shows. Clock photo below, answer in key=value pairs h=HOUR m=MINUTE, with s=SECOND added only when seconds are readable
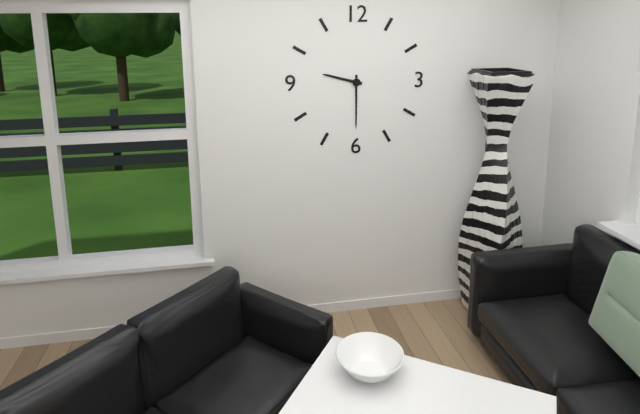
h=9 m=30
